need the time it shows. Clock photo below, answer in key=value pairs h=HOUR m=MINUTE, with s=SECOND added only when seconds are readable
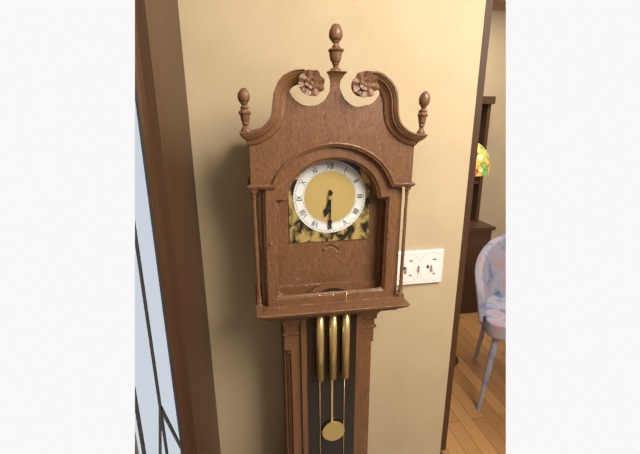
h=6 m=30
